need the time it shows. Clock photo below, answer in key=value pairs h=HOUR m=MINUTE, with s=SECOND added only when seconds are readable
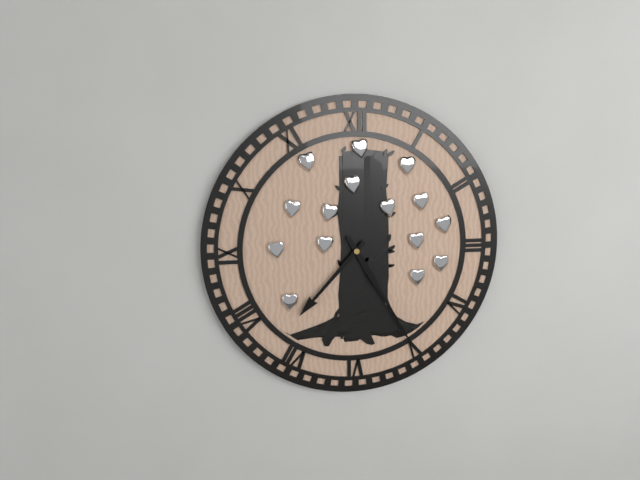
h=7 m=25
